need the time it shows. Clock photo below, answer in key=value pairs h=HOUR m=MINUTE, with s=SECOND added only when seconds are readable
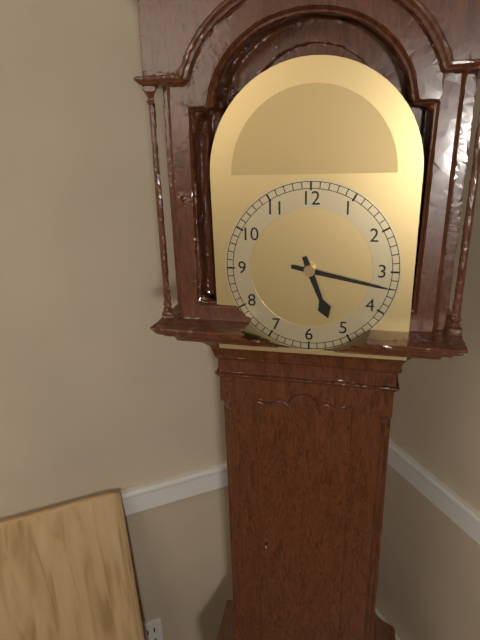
h=5 m=17
